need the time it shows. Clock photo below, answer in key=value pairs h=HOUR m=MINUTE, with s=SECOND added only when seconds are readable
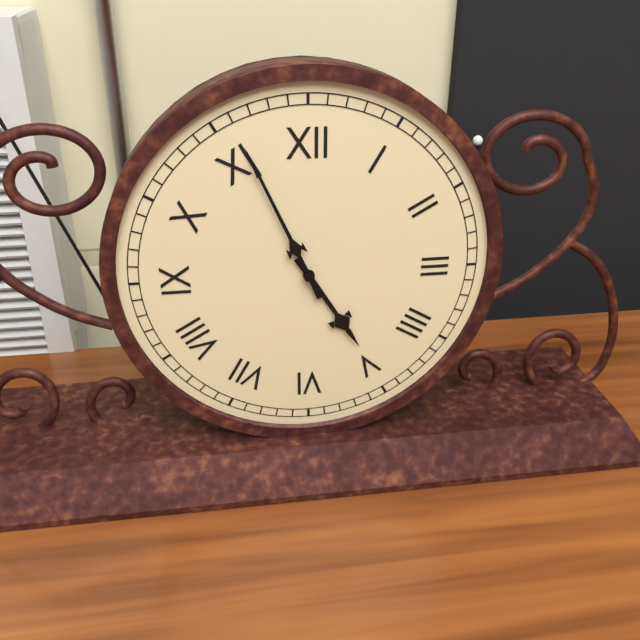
h=4 m=56
